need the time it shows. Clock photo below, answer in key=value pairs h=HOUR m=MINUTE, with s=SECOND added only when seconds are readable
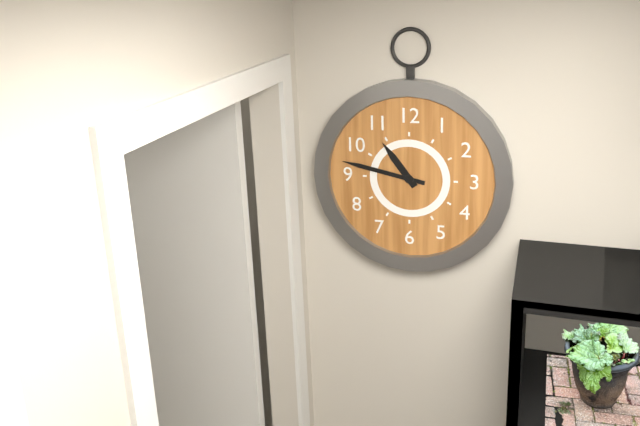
h=10 m=47
